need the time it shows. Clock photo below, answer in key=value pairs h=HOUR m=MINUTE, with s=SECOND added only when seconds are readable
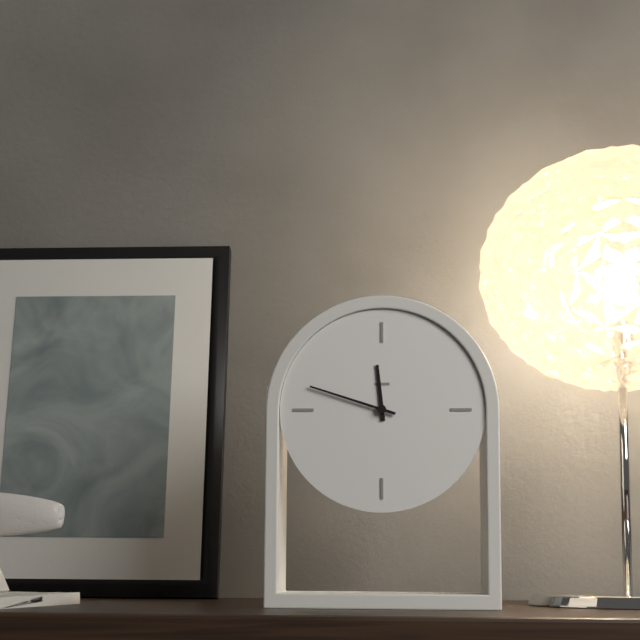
h=11 m=48
